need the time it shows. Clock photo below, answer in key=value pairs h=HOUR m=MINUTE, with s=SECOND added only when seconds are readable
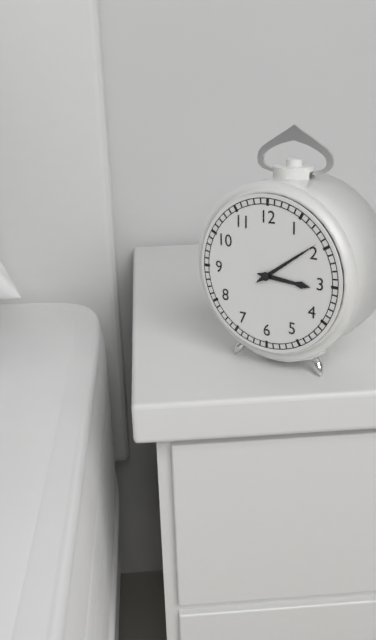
h=3 m=9
